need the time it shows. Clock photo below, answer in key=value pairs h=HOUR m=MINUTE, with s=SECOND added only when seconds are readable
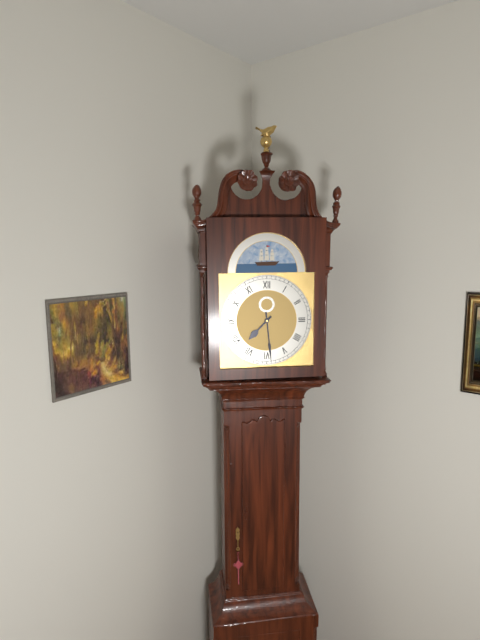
h=7 m=29
